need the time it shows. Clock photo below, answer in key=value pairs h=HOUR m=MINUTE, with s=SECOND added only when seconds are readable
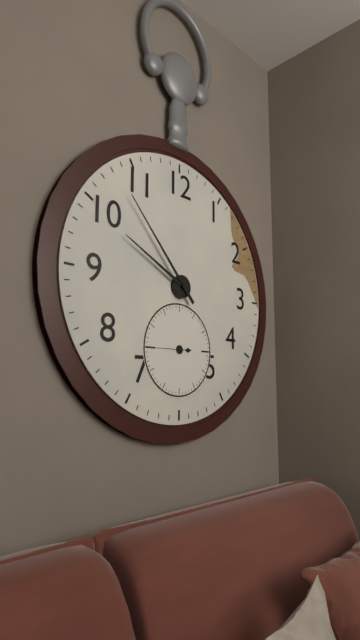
h=9 m=53
